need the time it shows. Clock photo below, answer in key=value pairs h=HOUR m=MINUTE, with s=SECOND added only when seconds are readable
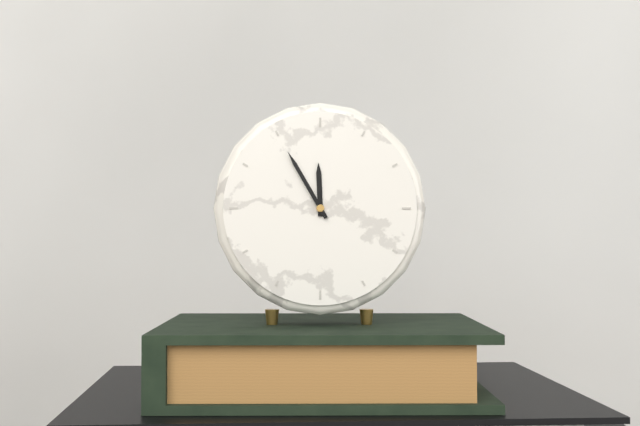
h=11 m=55
